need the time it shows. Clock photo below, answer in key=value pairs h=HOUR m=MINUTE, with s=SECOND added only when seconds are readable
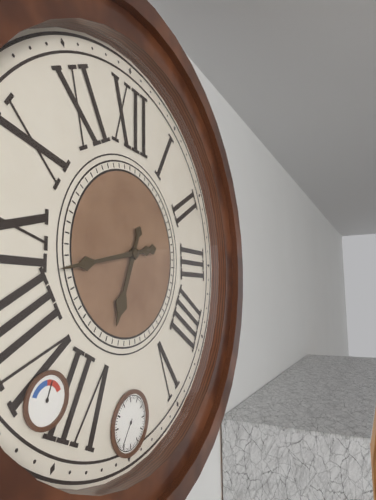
h=6 m=43
